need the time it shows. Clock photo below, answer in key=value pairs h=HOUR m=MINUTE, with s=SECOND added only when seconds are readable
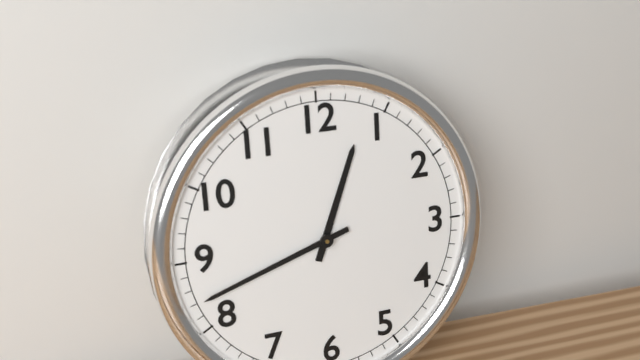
h=12 m=42
